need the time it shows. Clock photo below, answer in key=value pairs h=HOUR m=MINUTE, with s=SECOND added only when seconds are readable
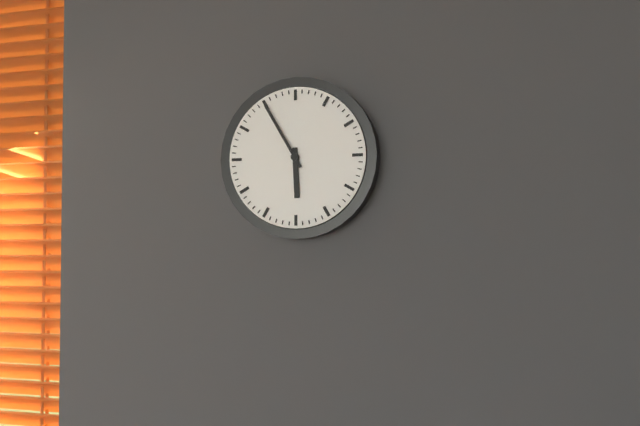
h=5 m=55
